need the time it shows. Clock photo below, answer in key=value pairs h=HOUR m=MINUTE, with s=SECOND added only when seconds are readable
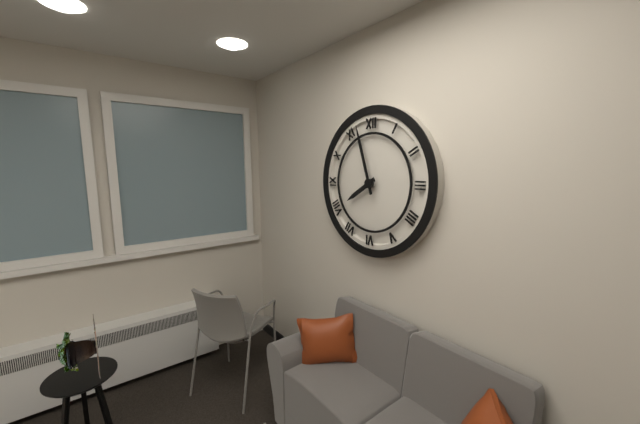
h=7 m=57
